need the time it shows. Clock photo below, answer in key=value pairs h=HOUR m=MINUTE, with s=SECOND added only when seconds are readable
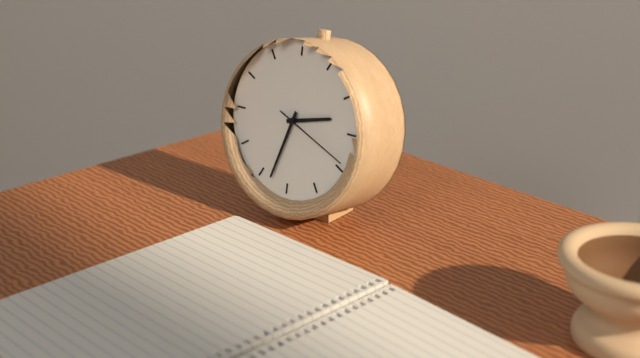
h=2 m=33 s=19
